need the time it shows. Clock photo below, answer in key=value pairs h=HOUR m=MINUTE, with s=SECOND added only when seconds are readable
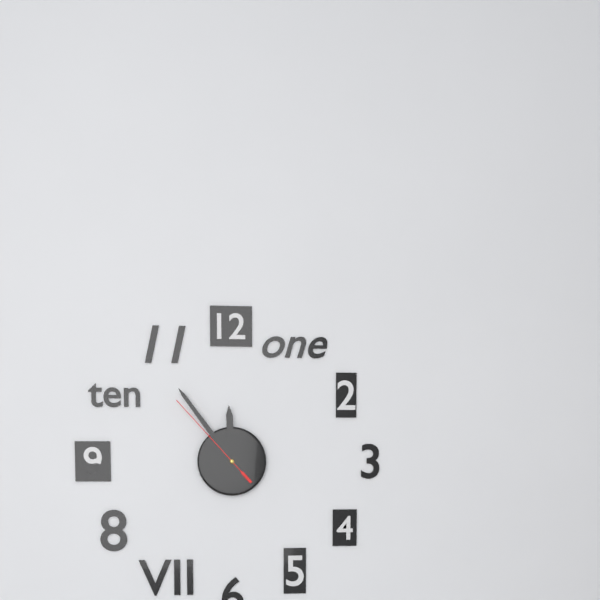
h=11 m=54 s=53
